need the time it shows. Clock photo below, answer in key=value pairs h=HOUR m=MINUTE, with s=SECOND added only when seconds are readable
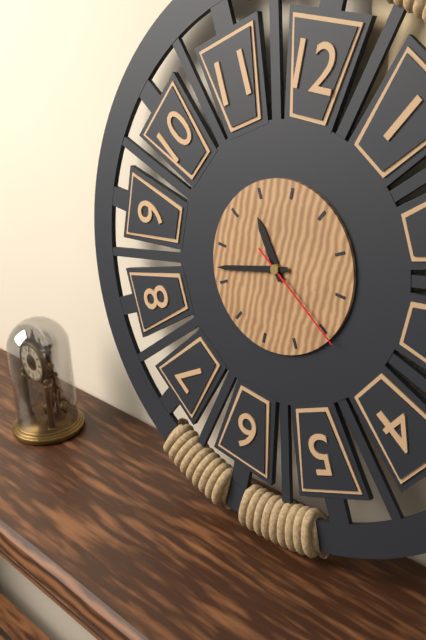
h=10 m=42 s=20
